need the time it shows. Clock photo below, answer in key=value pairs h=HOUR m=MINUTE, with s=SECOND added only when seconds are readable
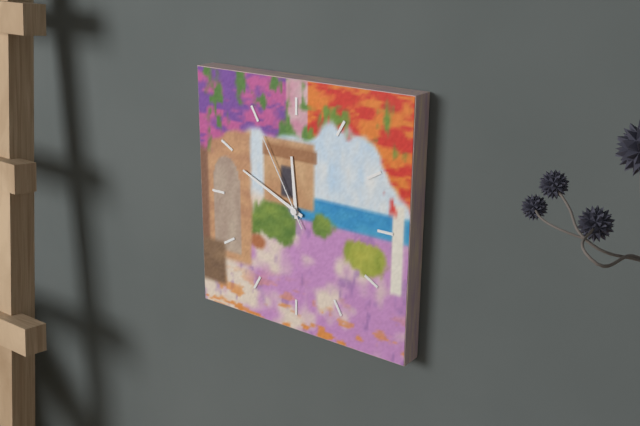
h=11 m=49 s=55
